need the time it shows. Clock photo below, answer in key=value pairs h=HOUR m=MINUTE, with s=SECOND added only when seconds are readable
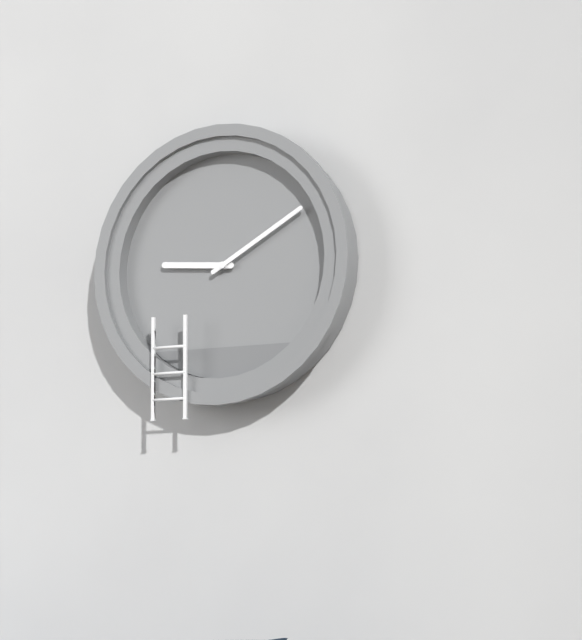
h=9 m=10
